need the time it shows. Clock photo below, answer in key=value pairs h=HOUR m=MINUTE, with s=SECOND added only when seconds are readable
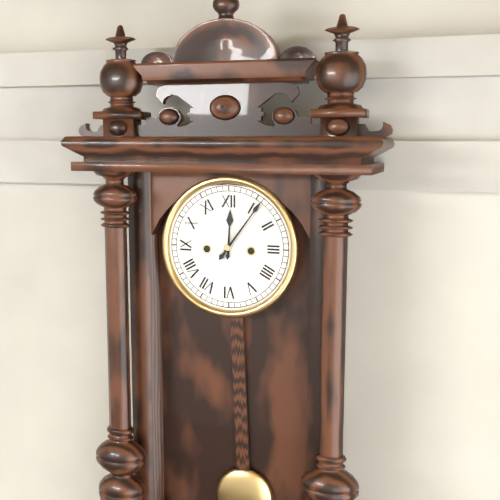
h=12 m=6
